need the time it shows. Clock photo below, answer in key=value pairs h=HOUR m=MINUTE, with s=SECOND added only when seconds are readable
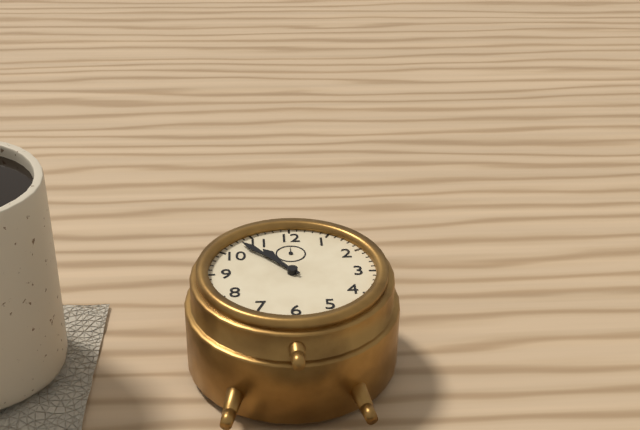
h=10 m=53
